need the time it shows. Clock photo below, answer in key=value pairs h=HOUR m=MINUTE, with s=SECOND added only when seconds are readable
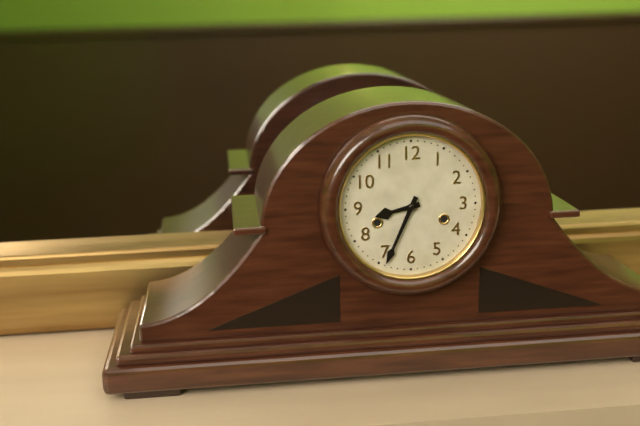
h=8 m=34
